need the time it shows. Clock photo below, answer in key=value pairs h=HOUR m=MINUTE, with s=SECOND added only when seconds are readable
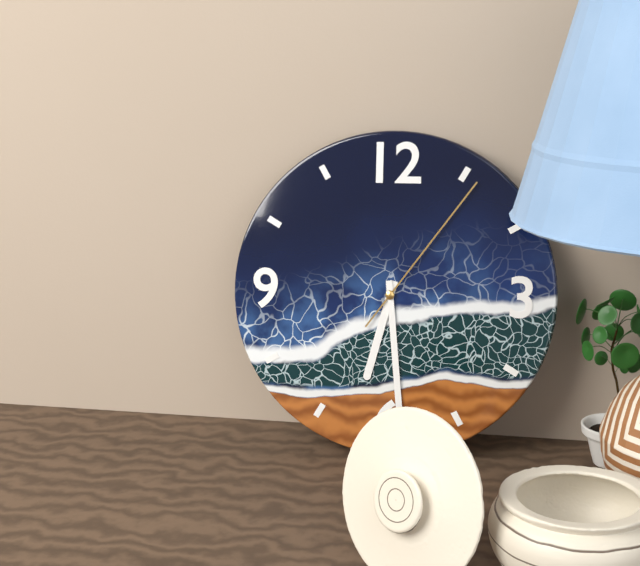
h=6 m=29 s=6
